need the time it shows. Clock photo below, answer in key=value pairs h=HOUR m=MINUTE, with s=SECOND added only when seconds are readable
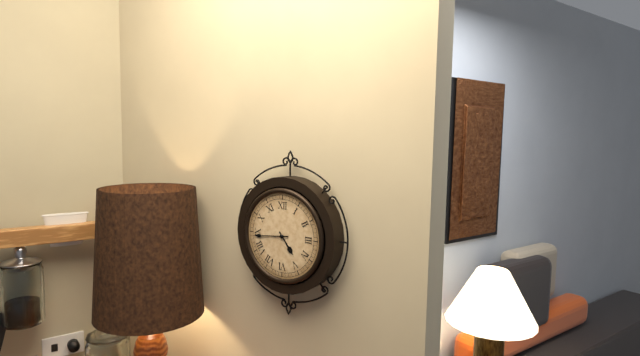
h=4 m=44
